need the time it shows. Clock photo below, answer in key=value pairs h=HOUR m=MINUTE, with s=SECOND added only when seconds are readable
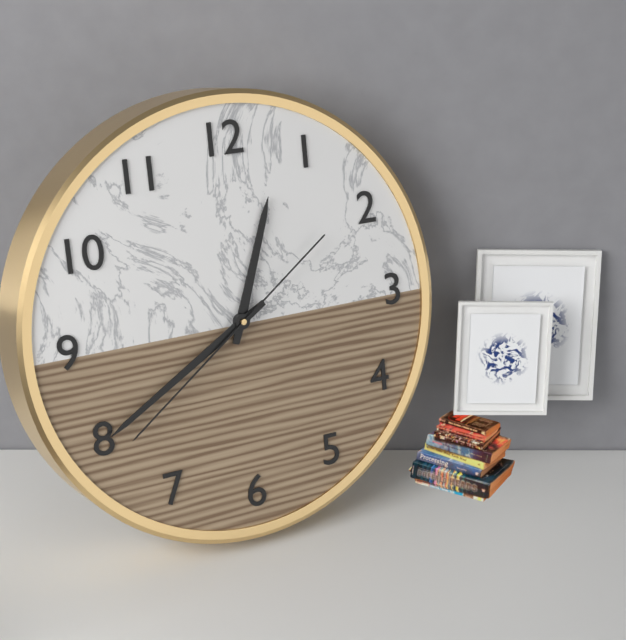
h=12 m=40 s=39
